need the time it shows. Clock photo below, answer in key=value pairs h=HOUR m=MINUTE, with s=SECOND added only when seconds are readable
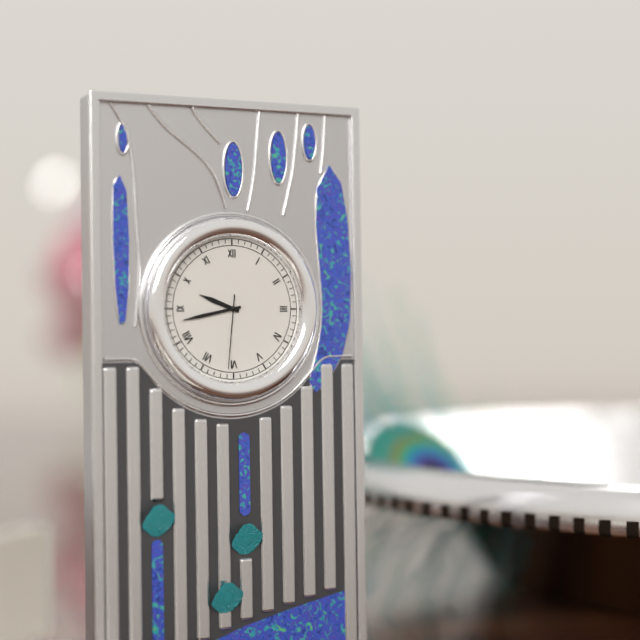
h=9 m=43 s=31
